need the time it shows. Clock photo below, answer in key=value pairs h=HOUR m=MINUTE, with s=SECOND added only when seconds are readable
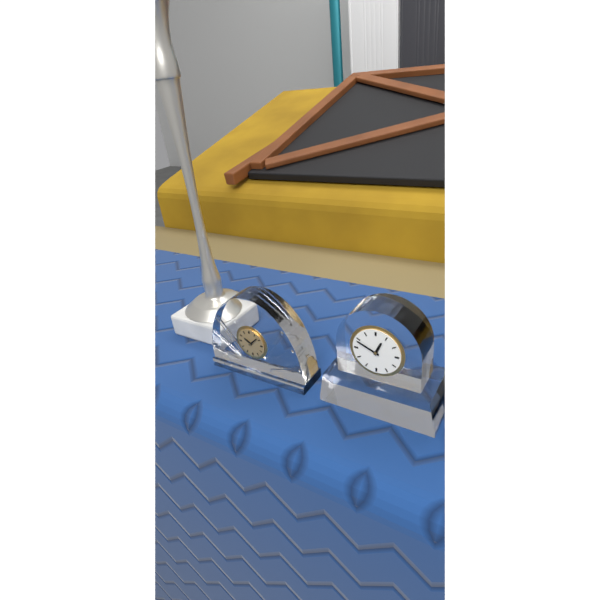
h=12 m=49
